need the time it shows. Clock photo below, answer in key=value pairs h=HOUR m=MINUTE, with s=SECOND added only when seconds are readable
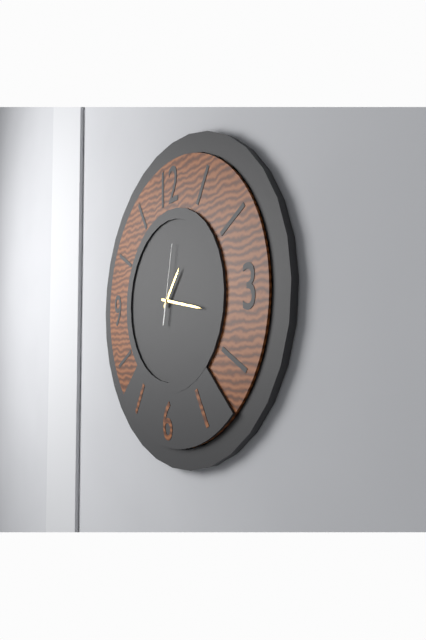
h=1 m=17 s=2
